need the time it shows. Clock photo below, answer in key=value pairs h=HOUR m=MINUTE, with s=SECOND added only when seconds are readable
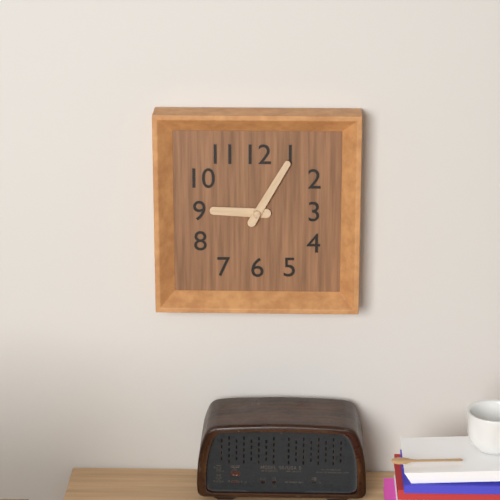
h=9 m=5
